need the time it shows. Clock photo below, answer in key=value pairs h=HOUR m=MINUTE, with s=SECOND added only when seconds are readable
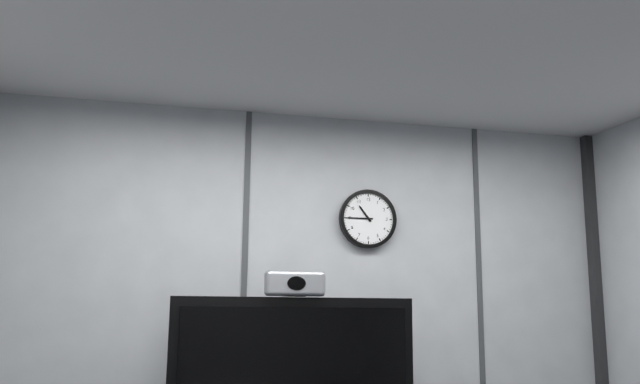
h=10 m=45
